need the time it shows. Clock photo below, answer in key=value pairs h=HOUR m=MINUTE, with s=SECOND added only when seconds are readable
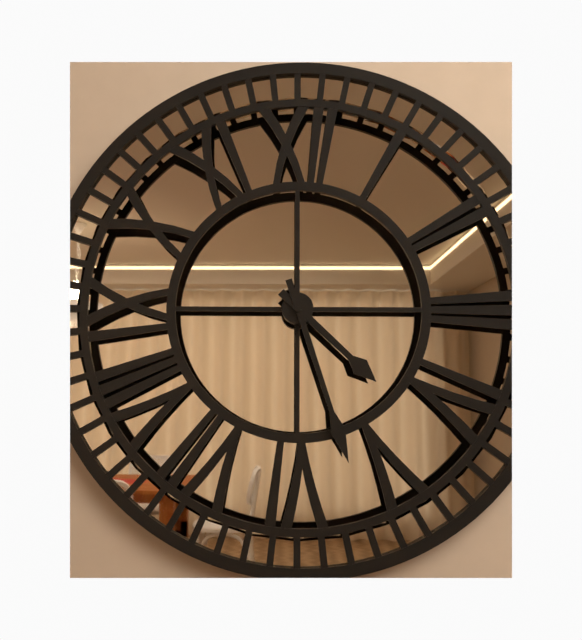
h=4 m=27
